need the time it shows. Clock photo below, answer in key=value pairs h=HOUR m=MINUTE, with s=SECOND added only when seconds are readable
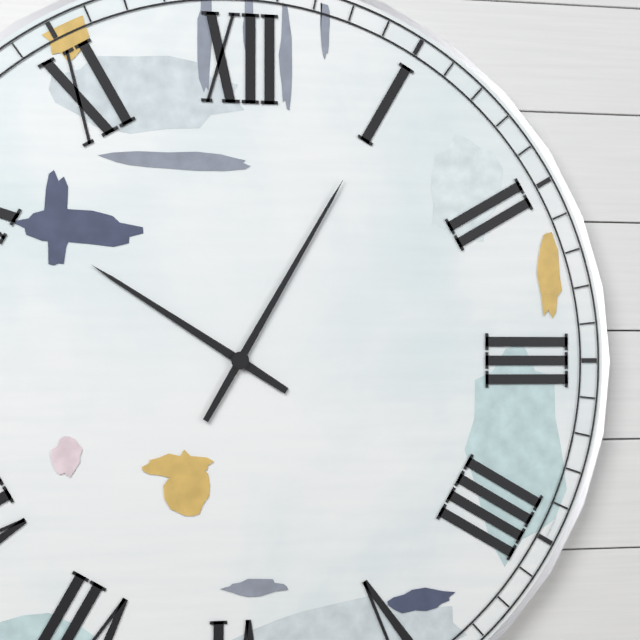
h=10 m=5
